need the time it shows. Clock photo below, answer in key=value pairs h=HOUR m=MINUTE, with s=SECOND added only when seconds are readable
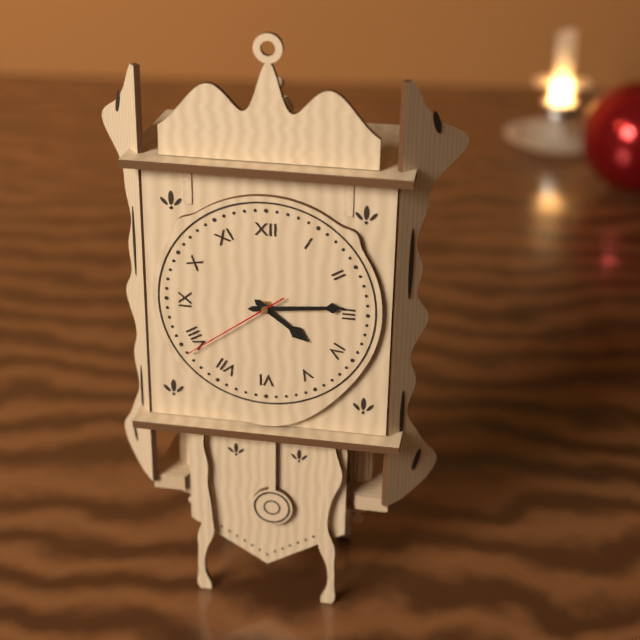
h=4 m=14 s=39
